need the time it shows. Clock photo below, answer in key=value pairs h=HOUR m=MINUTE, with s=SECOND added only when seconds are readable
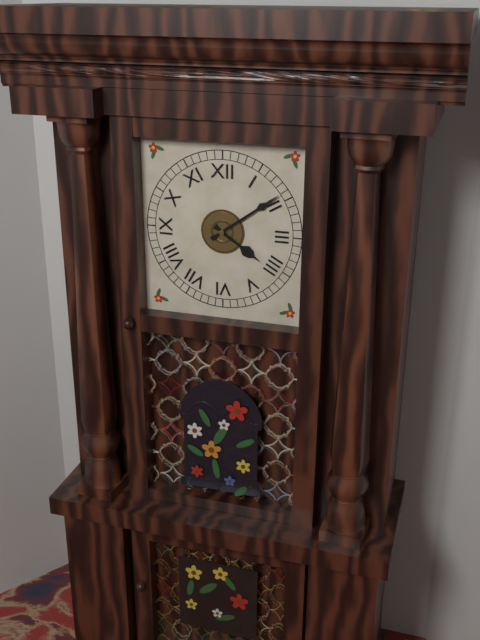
h=4 m=9
